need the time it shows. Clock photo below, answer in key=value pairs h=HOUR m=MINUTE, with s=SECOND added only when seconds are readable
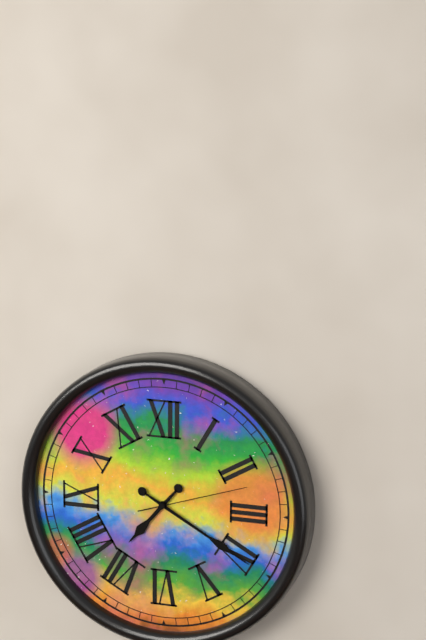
h=7 m=20 s=12
